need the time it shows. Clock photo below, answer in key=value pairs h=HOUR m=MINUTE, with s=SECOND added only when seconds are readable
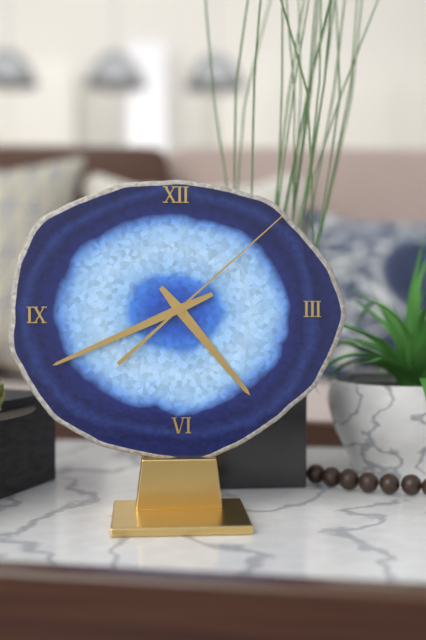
h=4 m=41 s=8
